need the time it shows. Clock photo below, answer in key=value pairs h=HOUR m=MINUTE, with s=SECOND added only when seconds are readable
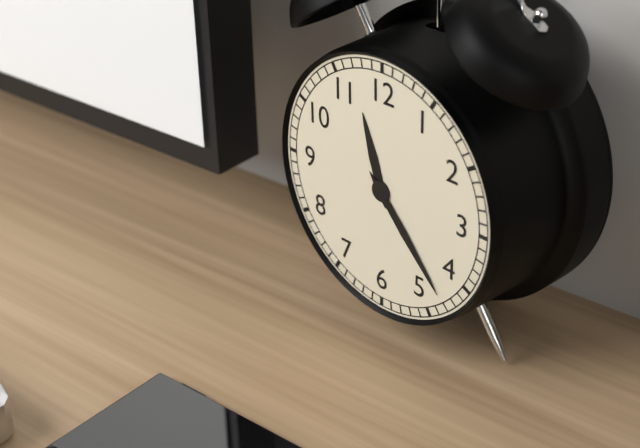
h=11 m=23
